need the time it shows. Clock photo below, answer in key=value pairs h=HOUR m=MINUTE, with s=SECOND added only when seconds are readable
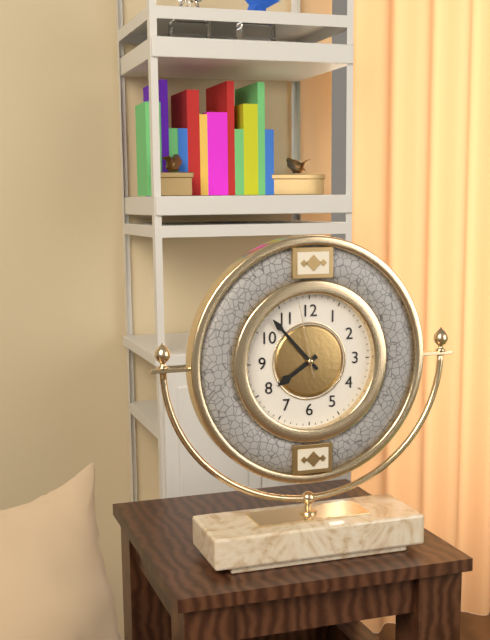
h=7 m=53 s=58
